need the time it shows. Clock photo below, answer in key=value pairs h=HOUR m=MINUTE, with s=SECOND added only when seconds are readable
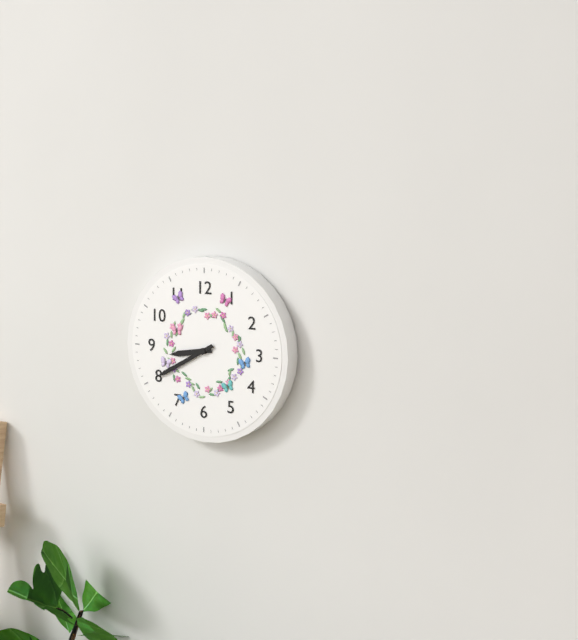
h=8 m=40
